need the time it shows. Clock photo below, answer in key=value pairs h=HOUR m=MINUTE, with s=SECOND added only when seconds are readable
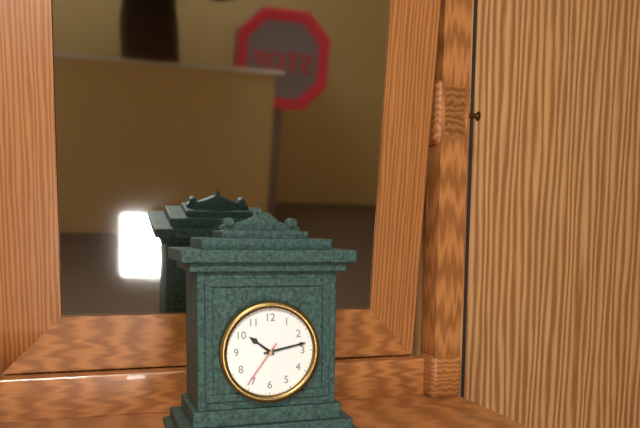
h=10 m=13 s=36
